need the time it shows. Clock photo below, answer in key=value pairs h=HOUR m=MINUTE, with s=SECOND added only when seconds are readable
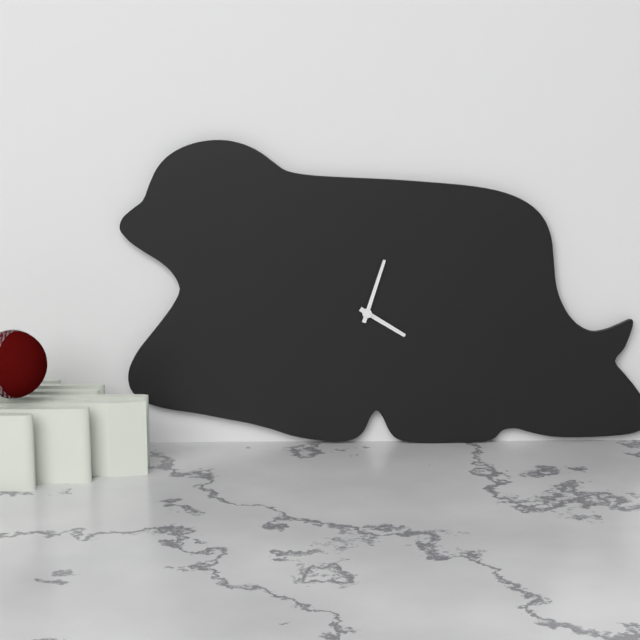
h=4 m=3
